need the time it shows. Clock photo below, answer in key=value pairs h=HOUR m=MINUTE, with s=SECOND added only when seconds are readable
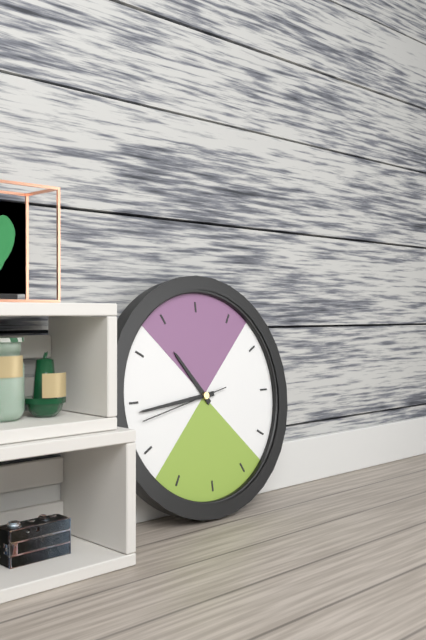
h=10 m=44 s=43
